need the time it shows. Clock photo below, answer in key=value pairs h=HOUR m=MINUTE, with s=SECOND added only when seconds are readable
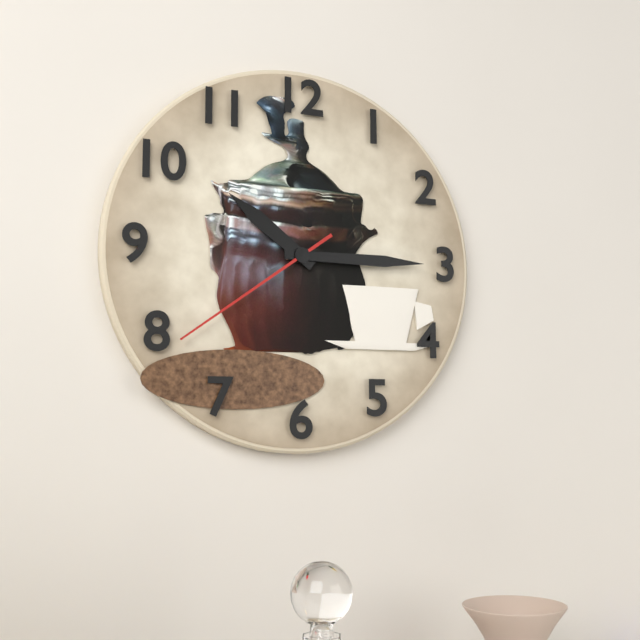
h=10 m=15 s=39
